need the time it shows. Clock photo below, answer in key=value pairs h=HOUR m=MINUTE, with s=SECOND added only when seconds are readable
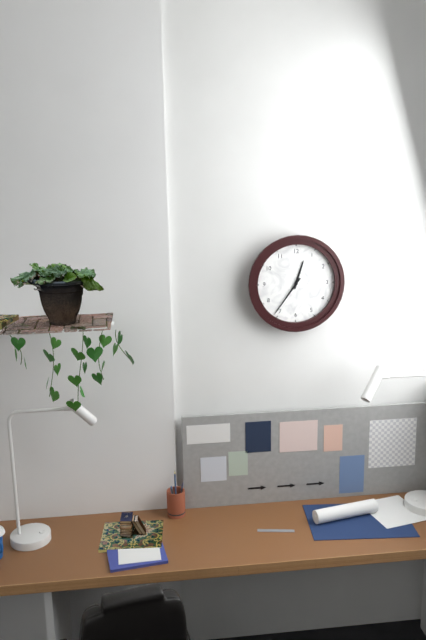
h=12 m=36
